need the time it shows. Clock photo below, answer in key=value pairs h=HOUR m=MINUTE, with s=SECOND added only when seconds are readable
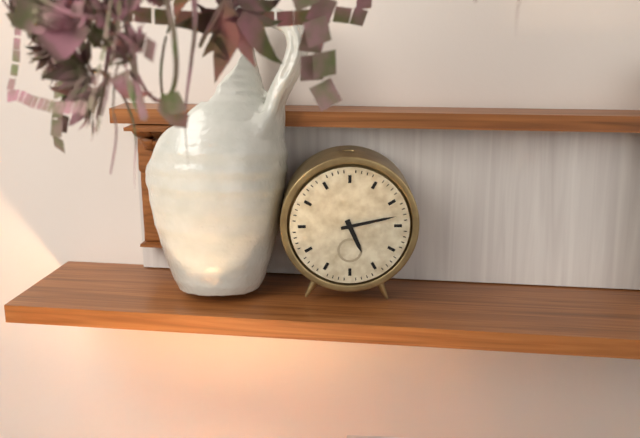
h=5 m=13
